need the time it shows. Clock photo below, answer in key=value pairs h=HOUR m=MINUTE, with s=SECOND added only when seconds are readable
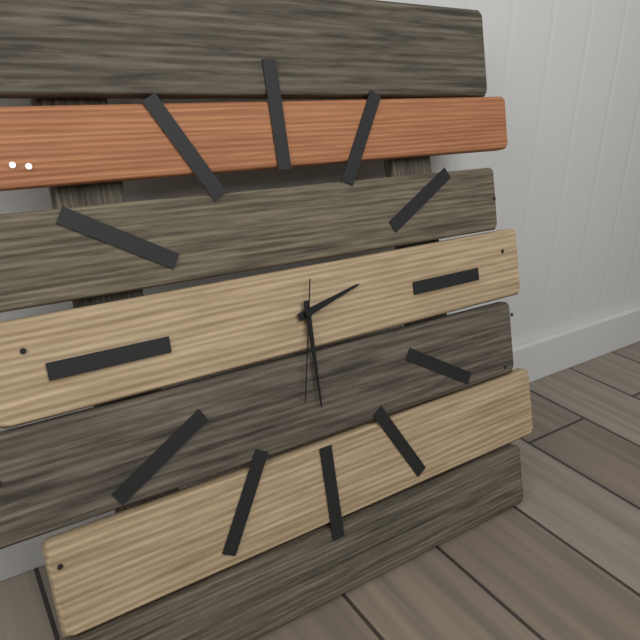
h=2 m=30 s=32
